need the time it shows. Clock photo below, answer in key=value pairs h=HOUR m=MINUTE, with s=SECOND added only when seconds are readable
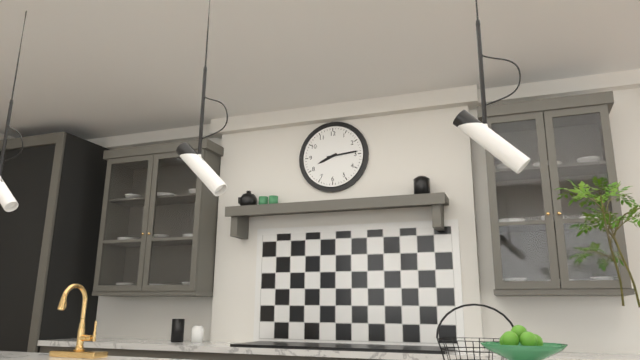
h=8 m=14
